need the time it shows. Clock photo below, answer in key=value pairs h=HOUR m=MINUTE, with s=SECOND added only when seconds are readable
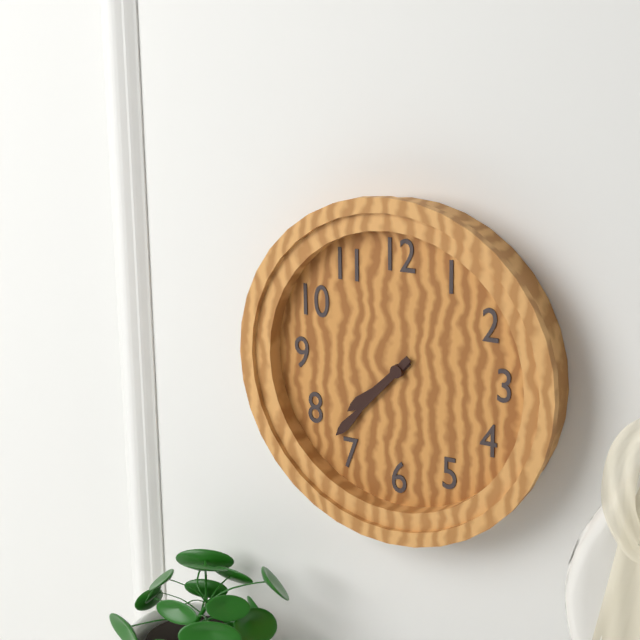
h=7 m=37
